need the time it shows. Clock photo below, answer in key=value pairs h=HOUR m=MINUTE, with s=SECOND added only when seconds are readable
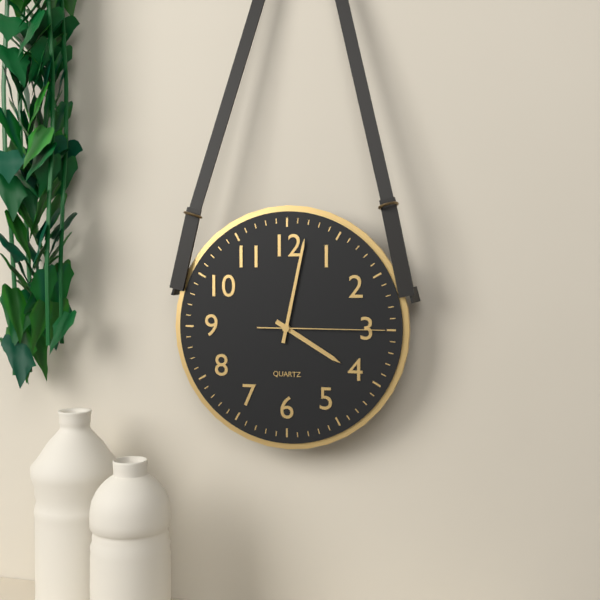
h=4 m=2 s=15
